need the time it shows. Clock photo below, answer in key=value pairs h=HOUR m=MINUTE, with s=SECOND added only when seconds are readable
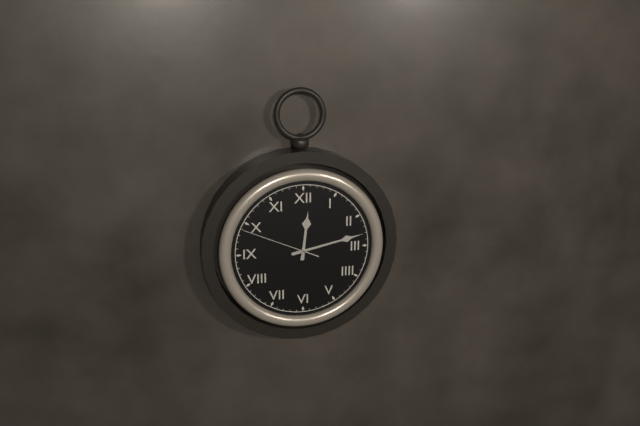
h=12 m=13 s=49
